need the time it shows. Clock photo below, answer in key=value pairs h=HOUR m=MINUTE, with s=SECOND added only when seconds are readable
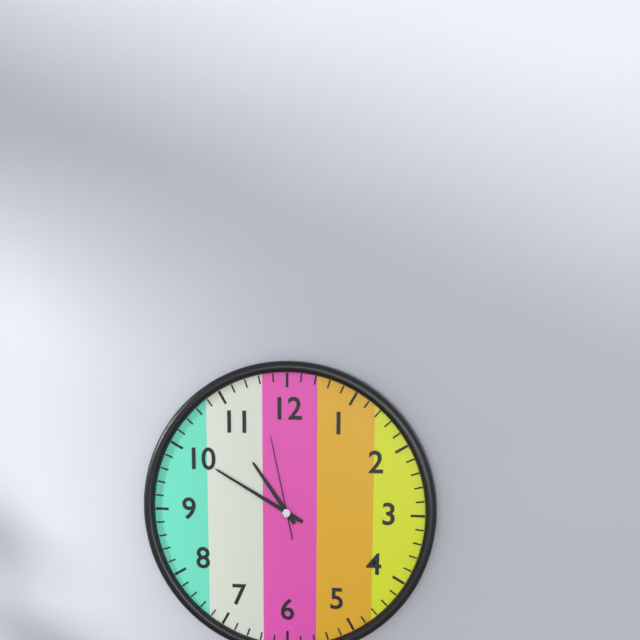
h=10 m=50 s=58
